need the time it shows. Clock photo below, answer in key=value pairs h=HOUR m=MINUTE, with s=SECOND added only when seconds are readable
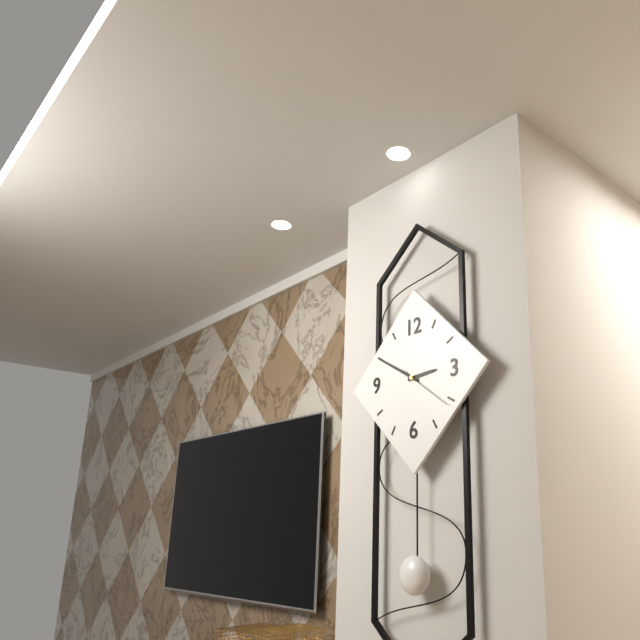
h=2 m=50 s=21
